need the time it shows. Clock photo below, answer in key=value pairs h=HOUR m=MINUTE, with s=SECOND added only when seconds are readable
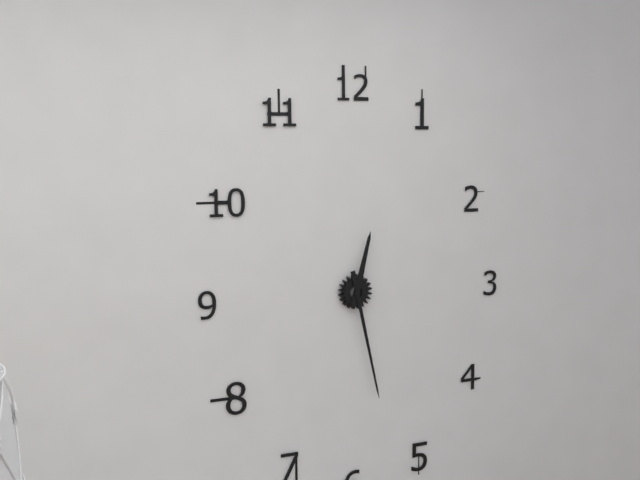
h=12 m=28
